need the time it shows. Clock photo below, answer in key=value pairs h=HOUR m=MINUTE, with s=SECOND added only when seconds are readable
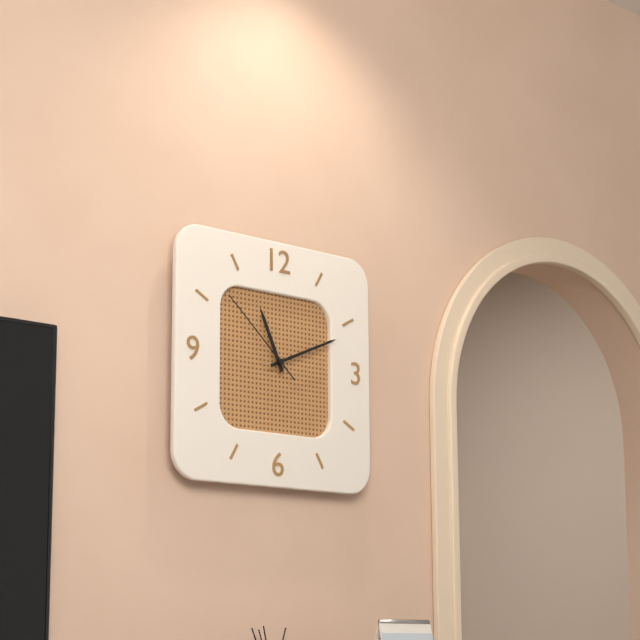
h=11 m=11 s=52
